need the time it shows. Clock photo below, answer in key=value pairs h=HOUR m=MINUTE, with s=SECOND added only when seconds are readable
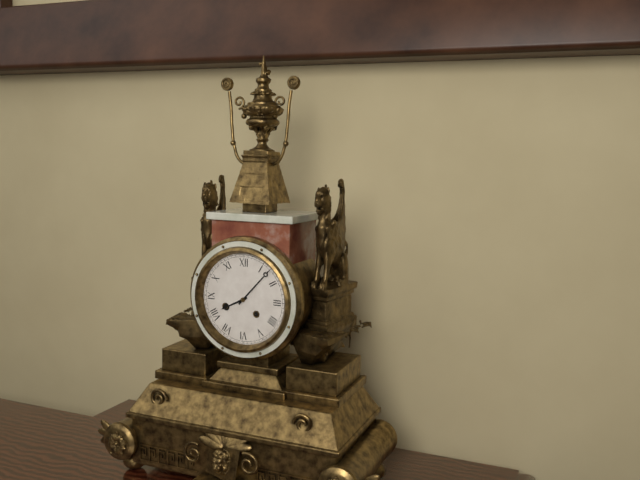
h=8 m=7
